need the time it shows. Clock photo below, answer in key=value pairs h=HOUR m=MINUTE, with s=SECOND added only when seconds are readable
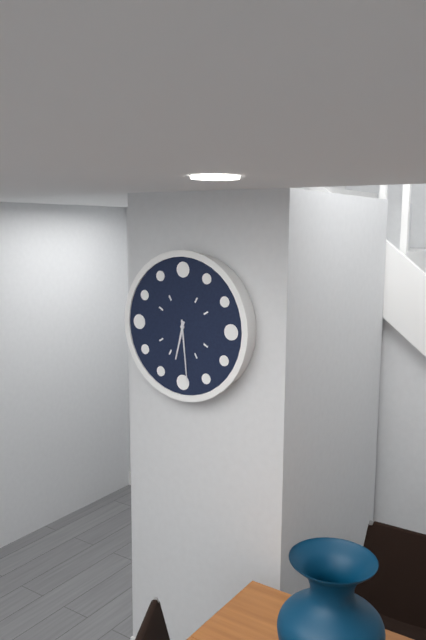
h=6 m=29
